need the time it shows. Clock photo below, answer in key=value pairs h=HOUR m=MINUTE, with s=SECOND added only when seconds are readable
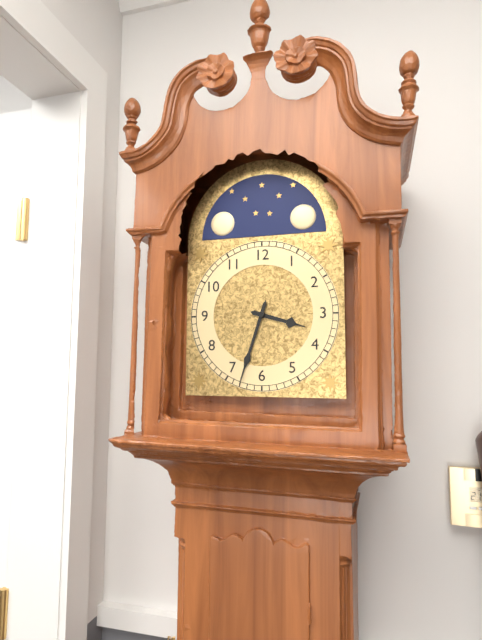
h=3 m=33
